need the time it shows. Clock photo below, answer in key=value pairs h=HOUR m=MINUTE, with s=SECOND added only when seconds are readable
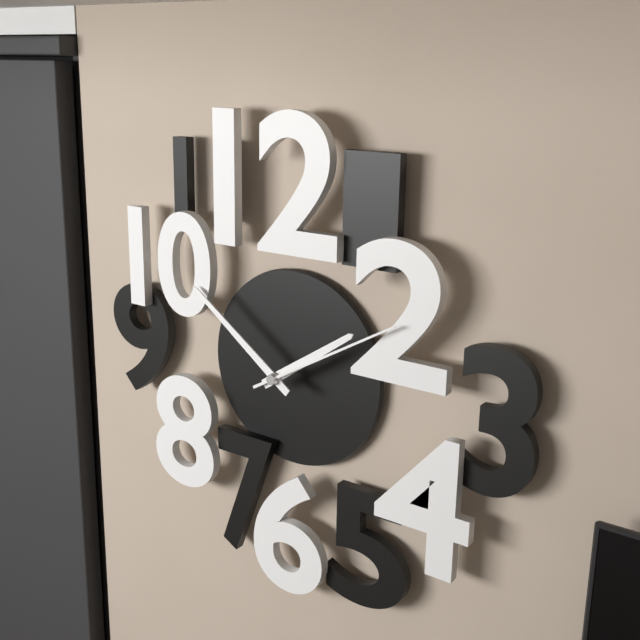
h=1 m=51 s=10
